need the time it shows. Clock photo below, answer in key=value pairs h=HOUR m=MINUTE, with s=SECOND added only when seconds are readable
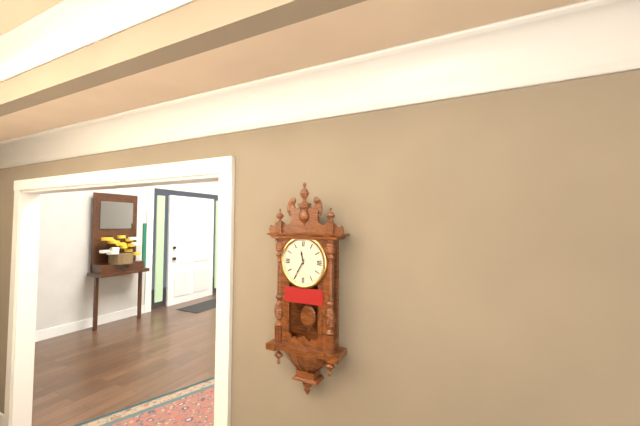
h=11 m=35
